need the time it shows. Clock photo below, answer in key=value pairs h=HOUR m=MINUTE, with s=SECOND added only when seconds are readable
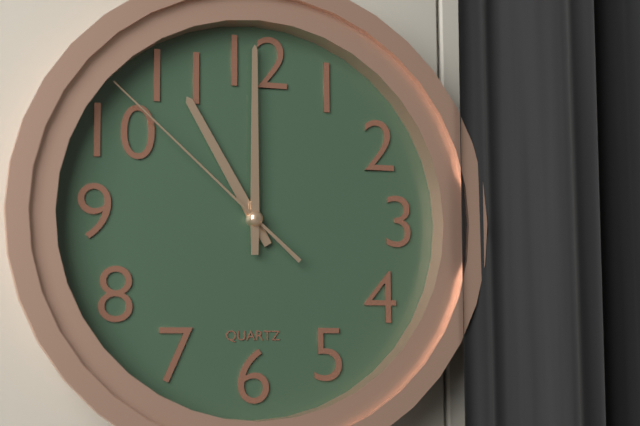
h=11 m=0 s=52
